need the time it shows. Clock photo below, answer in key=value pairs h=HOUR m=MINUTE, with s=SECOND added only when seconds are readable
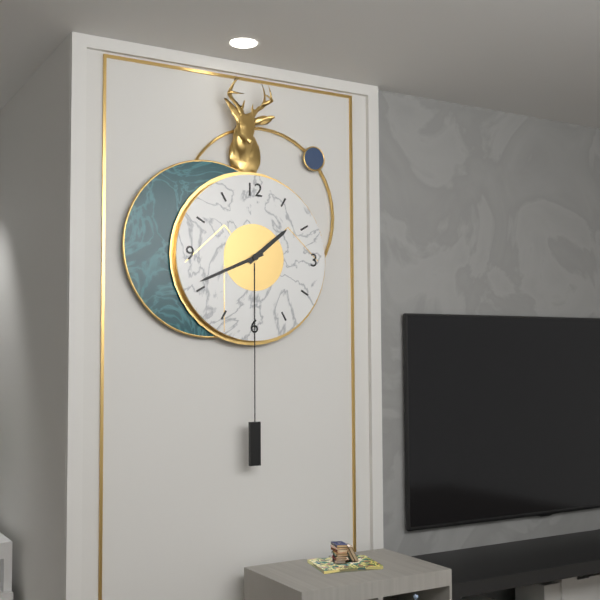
h=1 m=41
